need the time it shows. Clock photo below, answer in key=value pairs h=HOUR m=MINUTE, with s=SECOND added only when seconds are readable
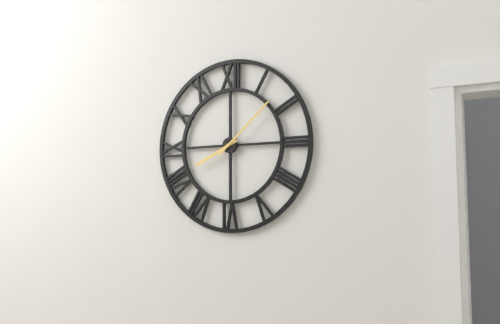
h=8 m=8
